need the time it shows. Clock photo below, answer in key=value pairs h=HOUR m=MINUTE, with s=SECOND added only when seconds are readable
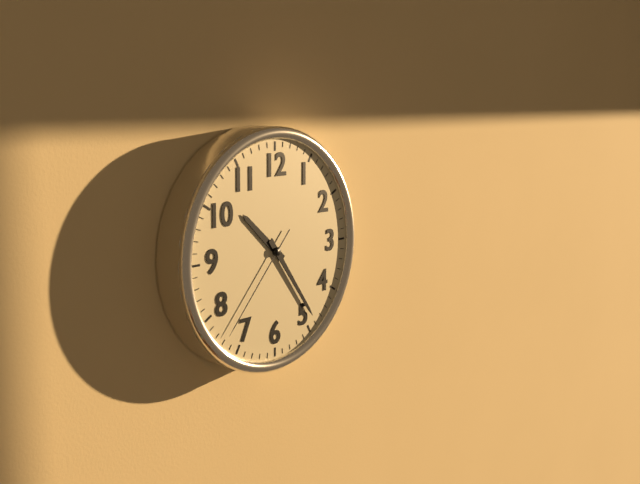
h=10 m=24 s=37
